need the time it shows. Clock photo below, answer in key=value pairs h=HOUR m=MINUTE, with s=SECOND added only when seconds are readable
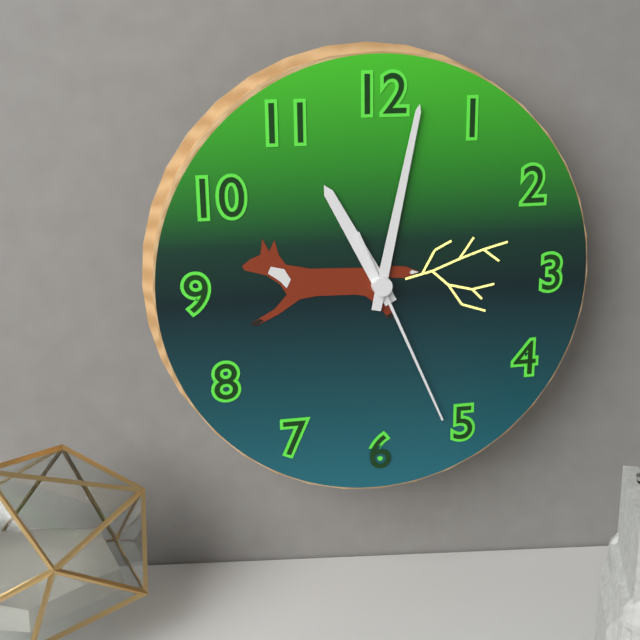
h=11 m=2 s=26
